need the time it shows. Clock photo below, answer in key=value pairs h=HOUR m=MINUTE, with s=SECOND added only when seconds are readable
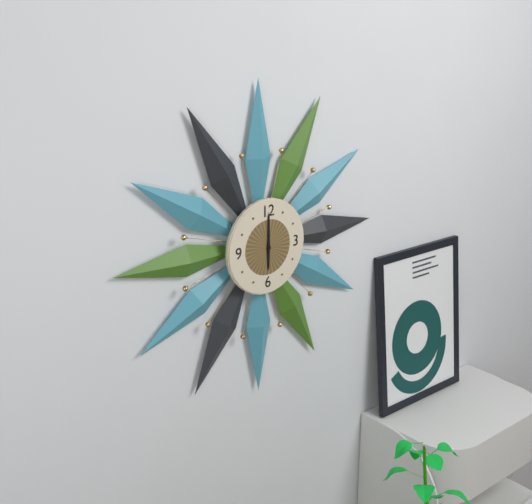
h=6 m=0
